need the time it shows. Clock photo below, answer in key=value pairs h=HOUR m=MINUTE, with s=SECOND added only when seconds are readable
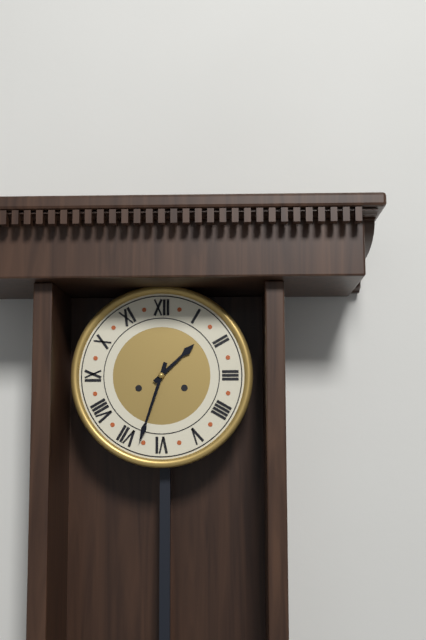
h=1 m=33
